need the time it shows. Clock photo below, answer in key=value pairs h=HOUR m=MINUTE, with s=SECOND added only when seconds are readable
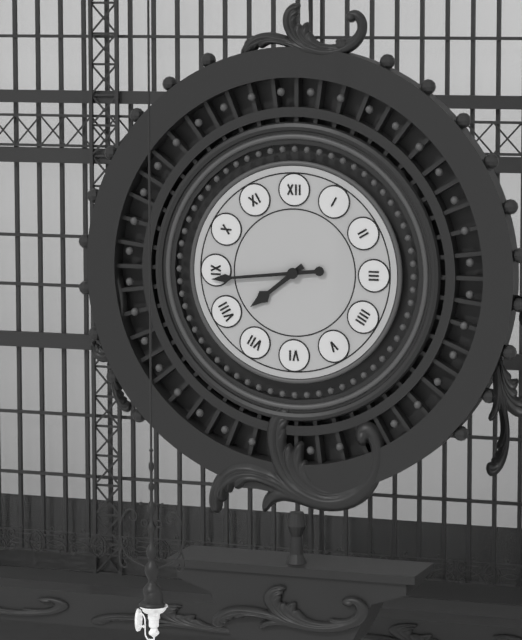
h=7 m=44
